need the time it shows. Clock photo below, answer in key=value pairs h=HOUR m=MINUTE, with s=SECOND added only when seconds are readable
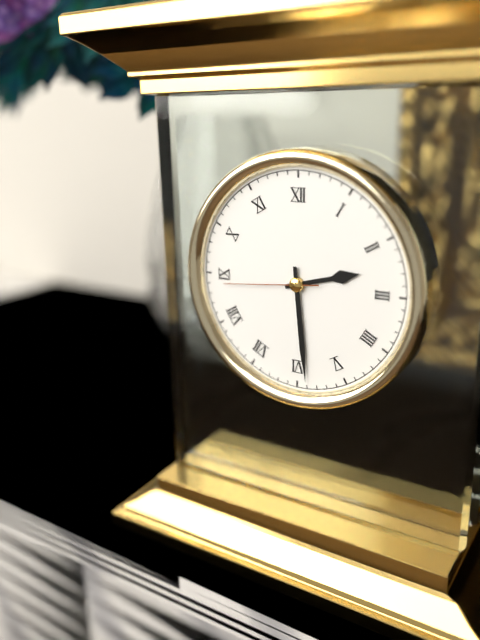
h=2 m=29 s=44
